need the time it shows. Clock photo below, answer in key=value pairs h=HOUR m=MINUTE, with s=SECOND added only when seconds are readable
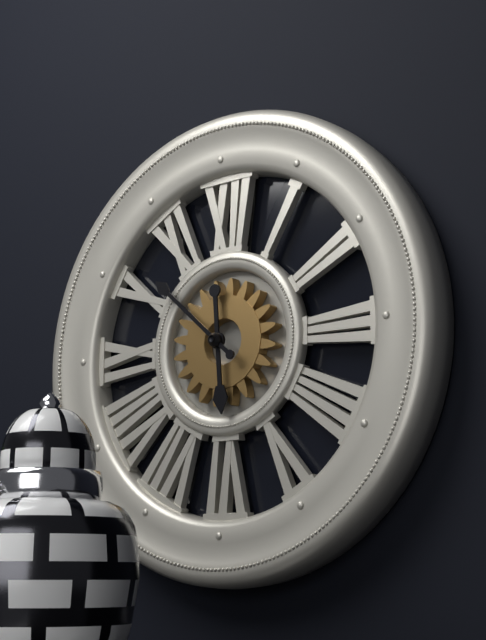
h=5 m=52
